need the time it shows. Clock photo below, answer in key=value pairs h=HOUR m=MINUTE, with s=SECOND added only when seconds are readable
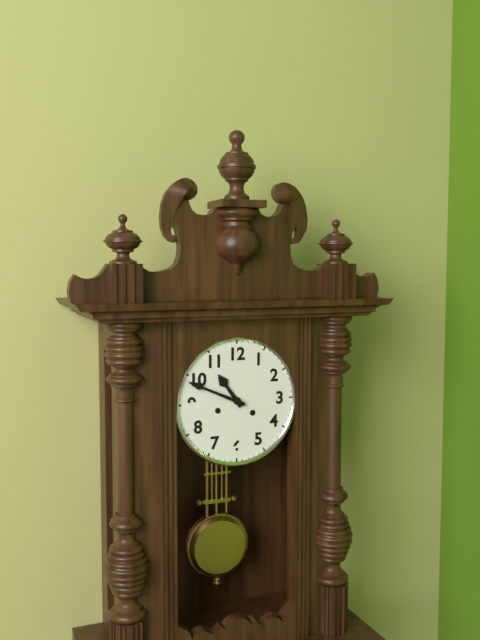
h=10 m=49
